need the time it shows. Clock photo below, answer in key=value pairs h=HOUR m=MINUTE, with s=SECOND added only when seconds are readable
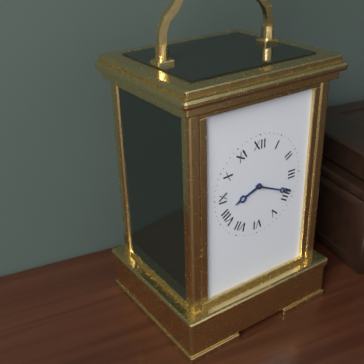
h=8 m=19
